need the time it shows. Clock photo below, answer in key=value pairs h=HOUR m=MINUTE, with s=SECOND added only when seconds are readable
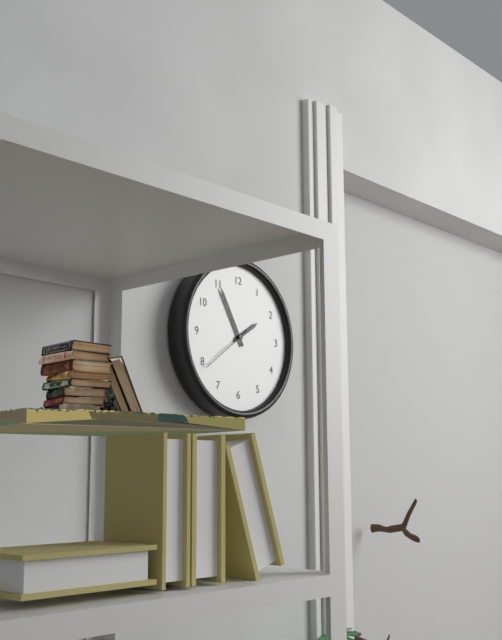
h=1 m=55
